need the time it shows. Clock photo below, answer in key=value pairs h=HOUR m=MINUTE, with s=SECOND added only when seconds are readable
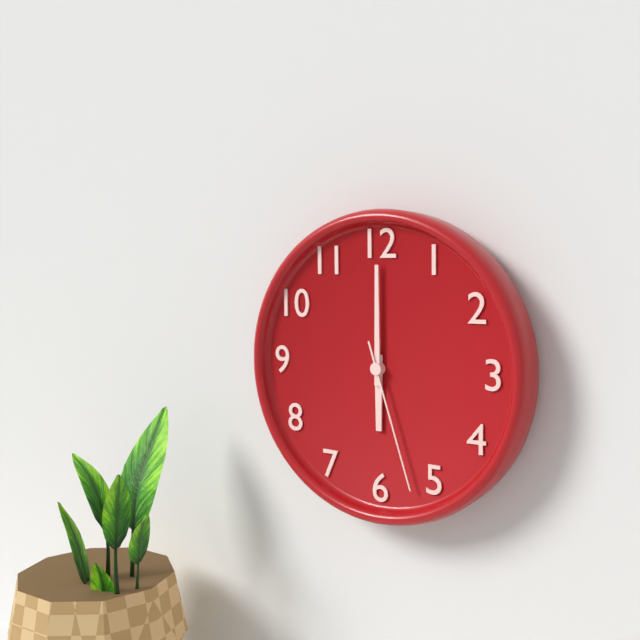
h=6 m=0 s=27
